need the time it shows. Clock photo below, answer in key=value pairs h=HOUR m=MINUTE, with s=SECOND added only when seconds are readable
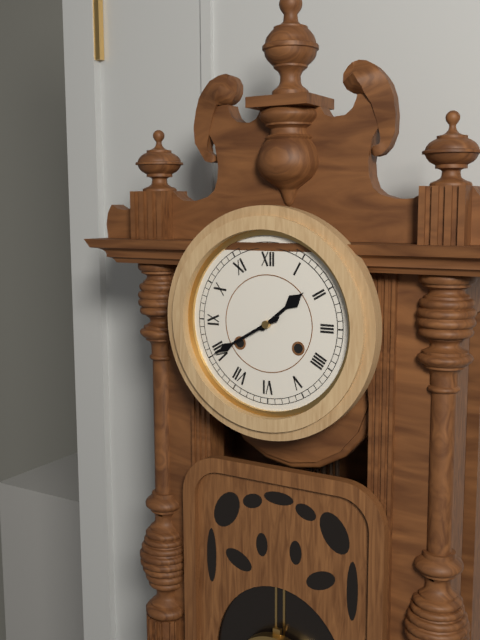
h=1 m=40
